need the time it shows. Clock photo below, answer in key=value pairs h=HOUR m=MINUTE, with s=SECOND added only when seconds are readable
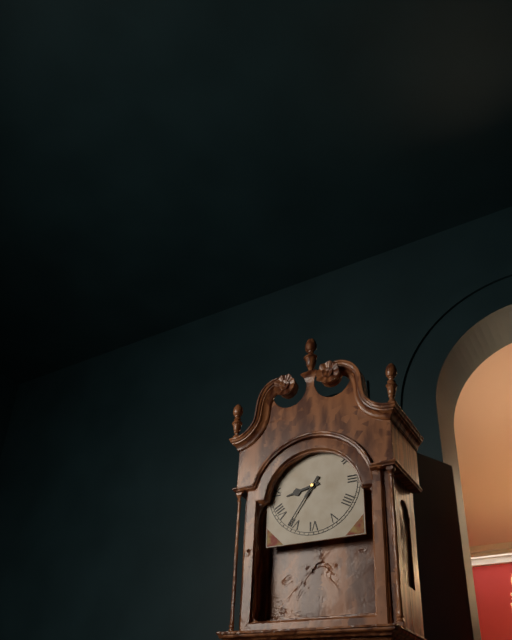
h=8 m=36
